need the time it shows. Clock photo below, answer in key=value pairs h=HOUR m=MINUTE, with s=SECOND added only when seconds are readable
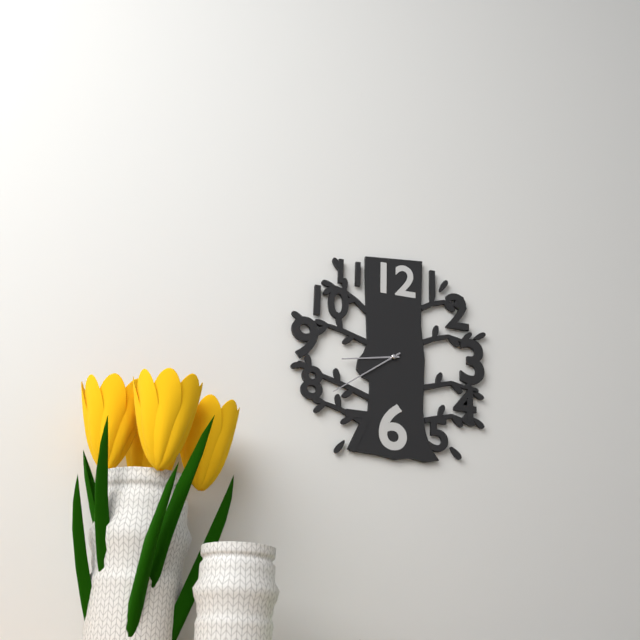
h=8 m=39
